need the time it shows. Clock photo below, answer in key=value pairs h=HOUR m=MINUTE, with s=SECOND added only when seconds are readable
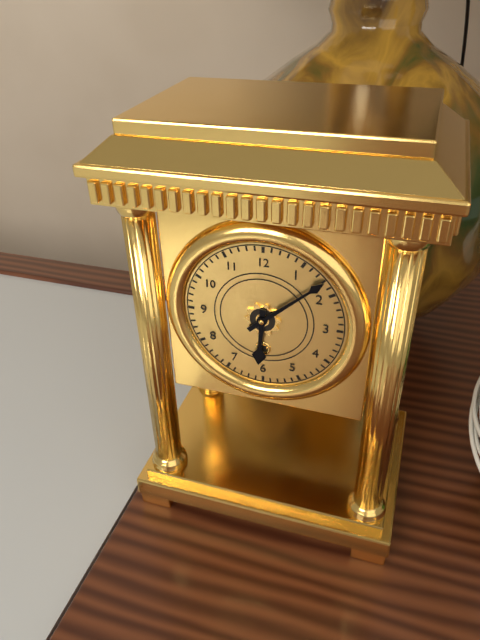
h=6 m=8
